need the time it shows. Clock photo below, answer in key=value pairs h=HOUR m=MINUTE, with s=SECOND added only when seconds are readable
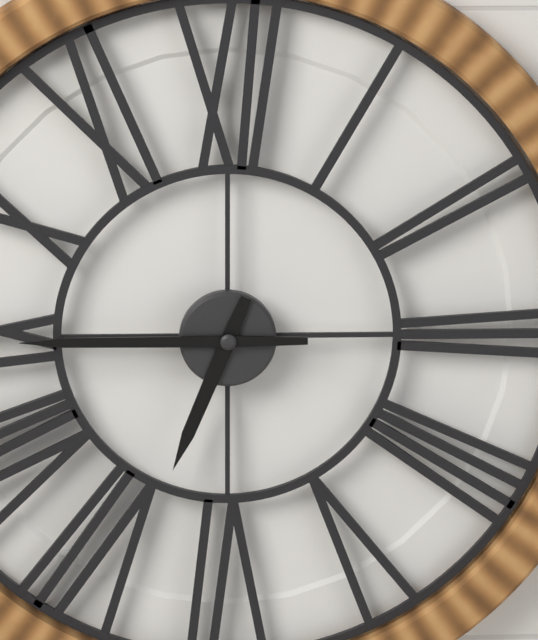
h=6 m=45
